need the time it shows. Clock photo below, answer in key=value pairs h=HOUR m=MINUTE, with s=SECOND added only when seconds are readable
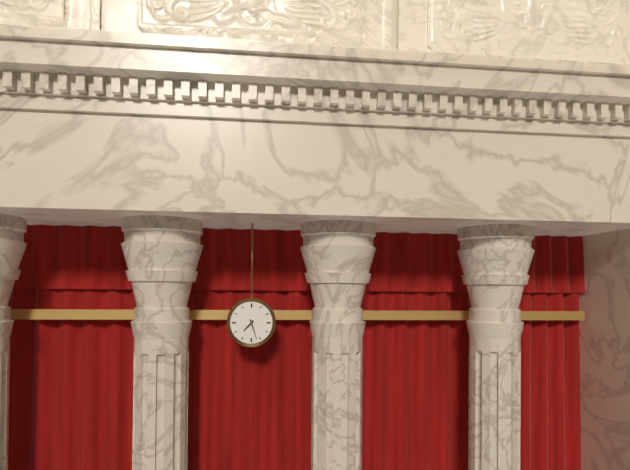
h=7 m=27
